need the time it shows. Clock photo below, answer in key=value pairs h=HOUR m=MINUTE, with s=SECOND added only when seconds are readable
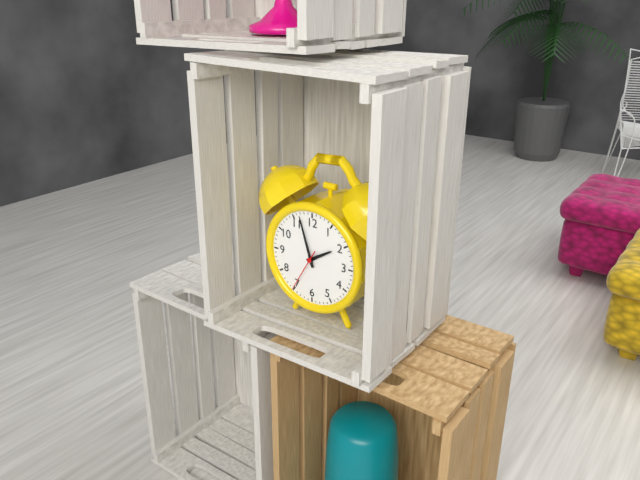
h=1 m=57
